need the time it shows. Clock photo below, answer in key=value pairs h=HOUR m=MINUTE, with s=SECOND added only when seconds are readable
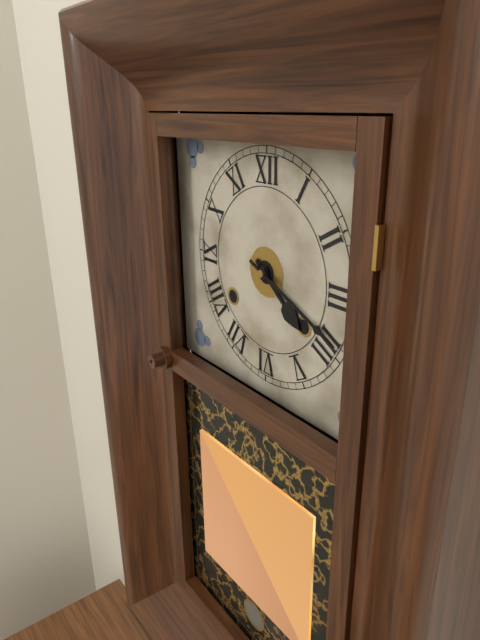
h=4 m=19
